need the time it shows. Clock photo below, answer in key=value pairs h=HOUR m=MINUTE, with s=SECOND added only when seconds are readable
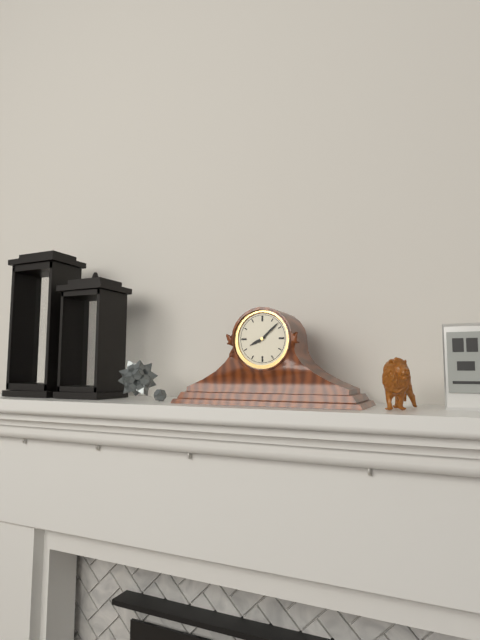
h=8 m=8
